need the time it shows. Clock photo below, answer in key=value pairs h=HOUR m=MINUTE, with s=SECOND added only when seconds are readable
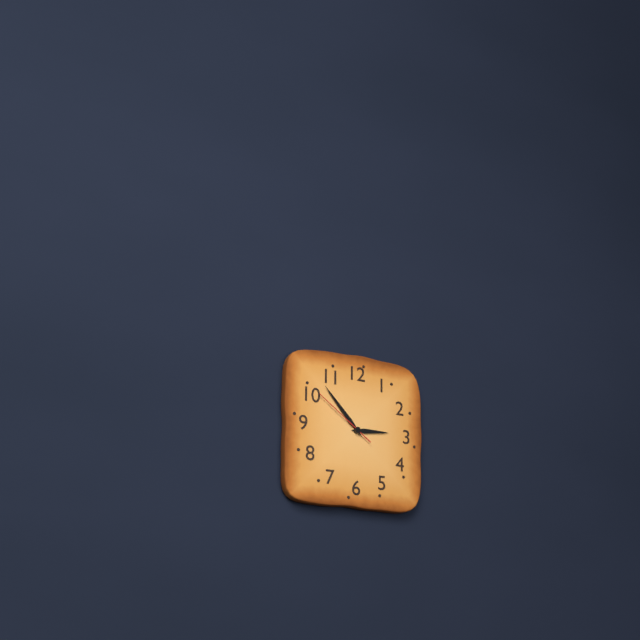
h=2 m=53 s=51
